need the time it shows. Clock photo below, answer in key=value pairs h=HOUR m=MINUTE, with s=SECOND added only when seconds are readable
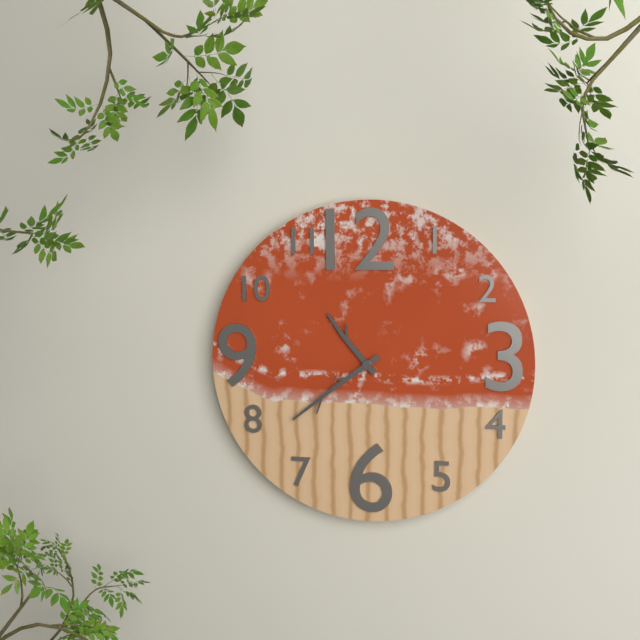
h=10 m=39
